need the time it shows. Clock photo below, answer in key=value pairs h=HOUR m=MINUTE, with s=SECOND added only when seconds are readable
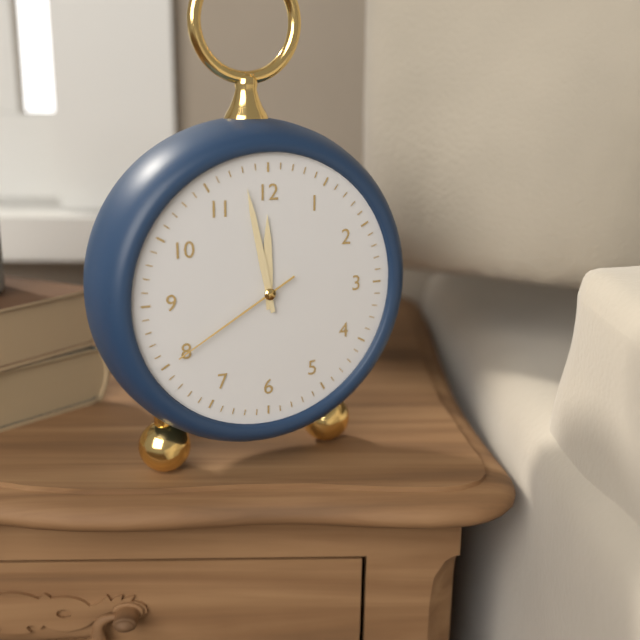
h=11 m=58 s=40
